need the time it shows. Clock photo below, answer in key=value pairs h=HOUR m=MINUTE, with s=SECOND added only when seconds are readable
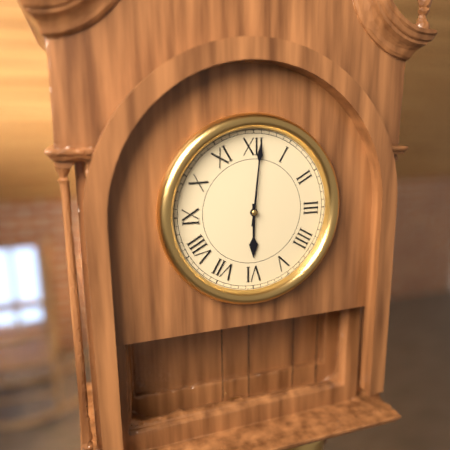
h=6 m=1
